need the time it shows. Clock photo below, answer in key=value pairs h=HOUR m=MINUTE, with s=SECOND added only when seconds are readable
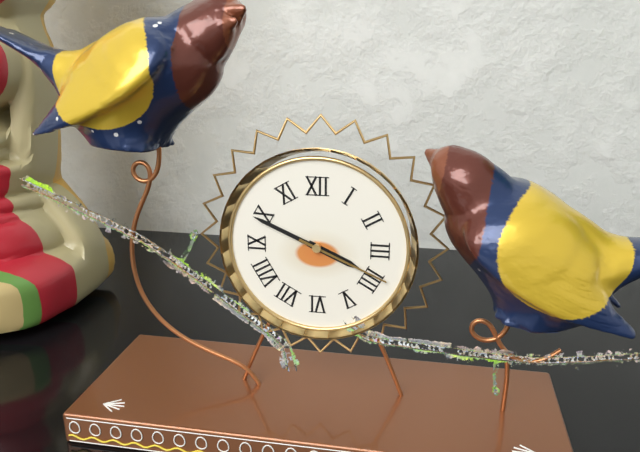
h=3 m=49 s=19
